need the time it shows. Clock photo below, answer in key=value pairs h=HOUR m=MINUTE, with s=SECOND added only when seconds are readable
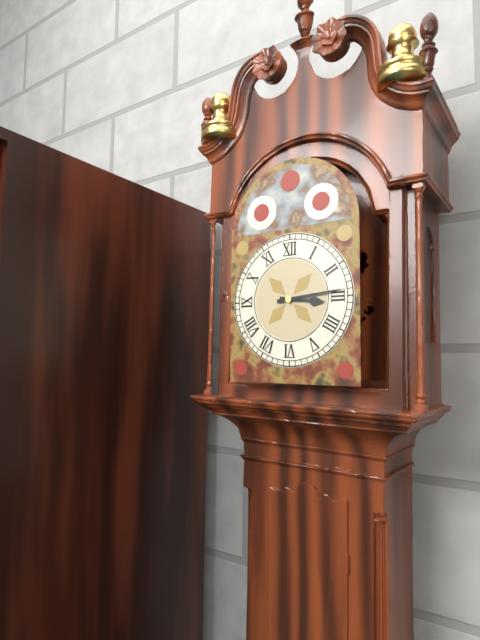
h=3 m=14
